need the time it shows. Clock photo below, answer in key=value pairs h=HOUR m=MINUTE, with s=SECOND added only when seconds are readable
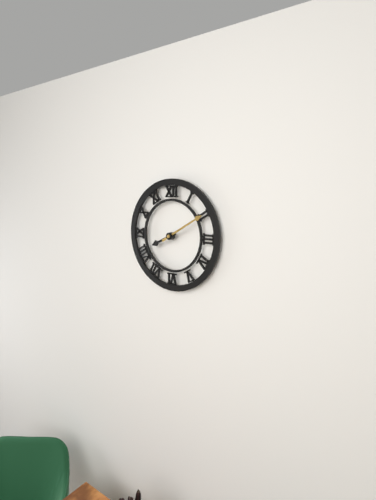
h=8 m=10
